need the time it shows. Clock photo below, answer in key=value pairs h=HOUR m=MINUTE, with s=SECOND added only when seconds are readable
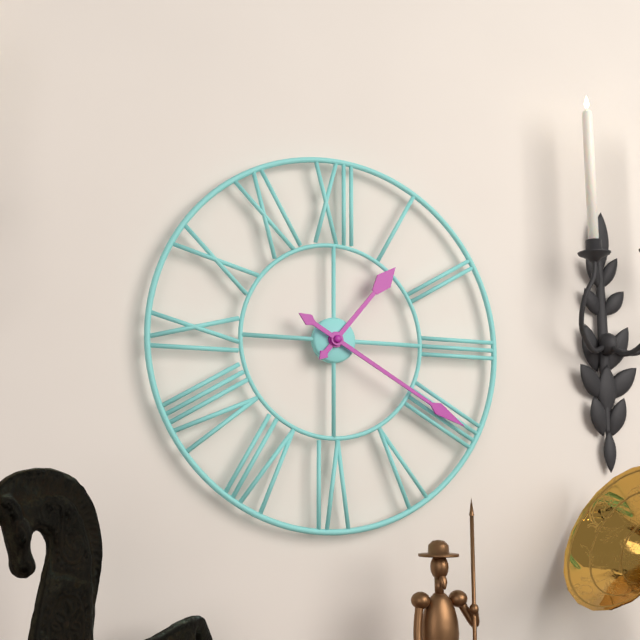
h=1 m=20
